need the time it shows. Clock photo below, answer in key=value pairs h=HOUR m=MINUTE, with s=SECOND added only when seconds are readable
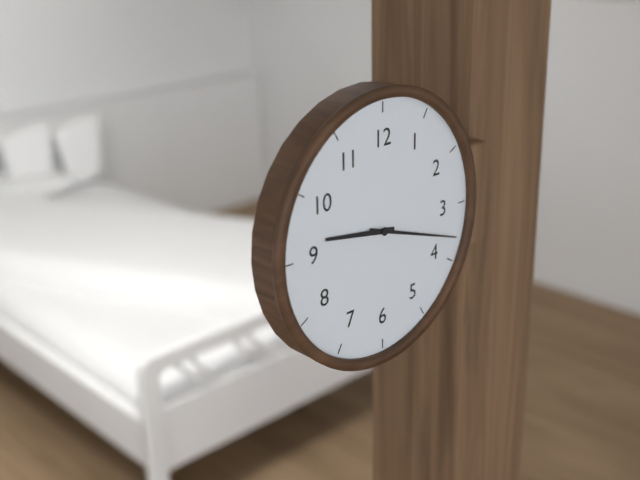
h=9 m=18
